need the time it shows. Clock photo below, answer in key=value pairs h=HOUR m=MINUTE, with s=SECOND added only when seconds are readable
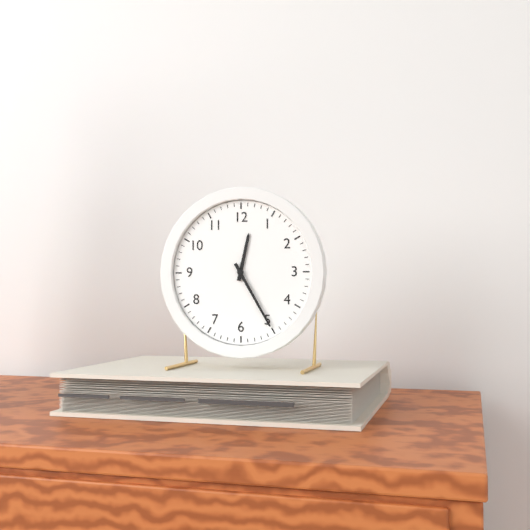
h=12 m=25
